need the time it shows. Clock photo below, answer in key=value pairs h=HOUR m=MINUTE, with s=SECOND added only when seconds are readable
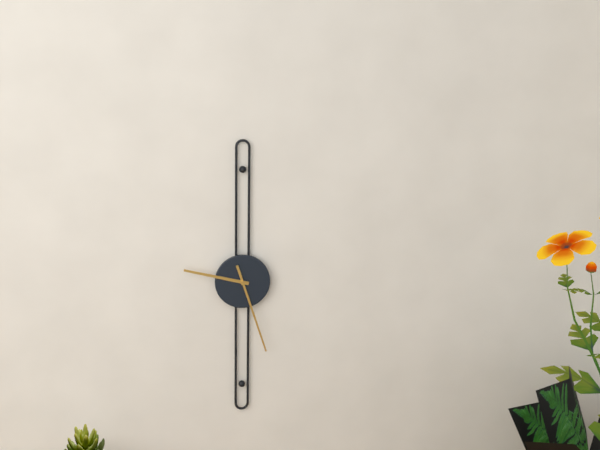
h=9 m=27
